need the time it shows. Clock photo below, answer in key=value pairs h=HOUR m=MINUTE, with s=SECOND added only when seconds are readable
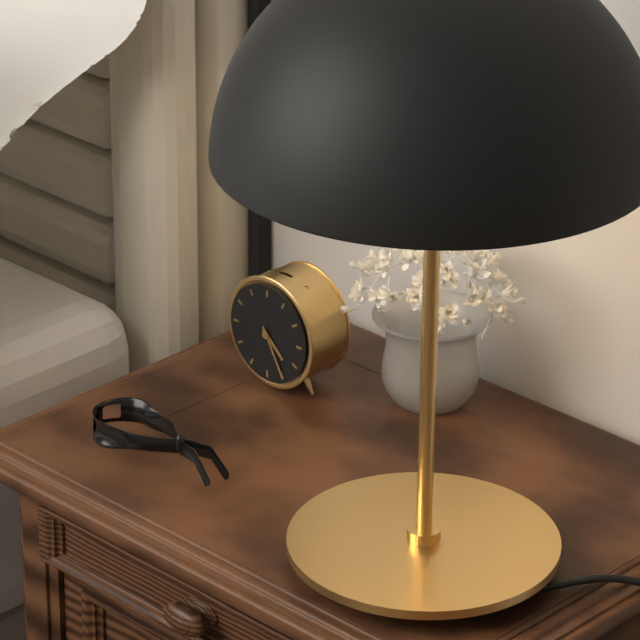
h=4 m=25
